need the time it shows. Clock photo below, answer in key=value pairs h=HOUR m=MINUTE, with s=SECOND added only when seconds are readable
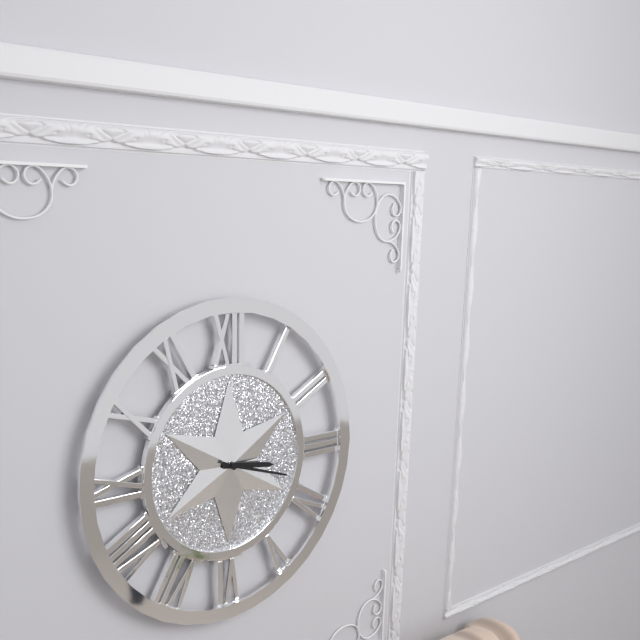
h=3 m=18
